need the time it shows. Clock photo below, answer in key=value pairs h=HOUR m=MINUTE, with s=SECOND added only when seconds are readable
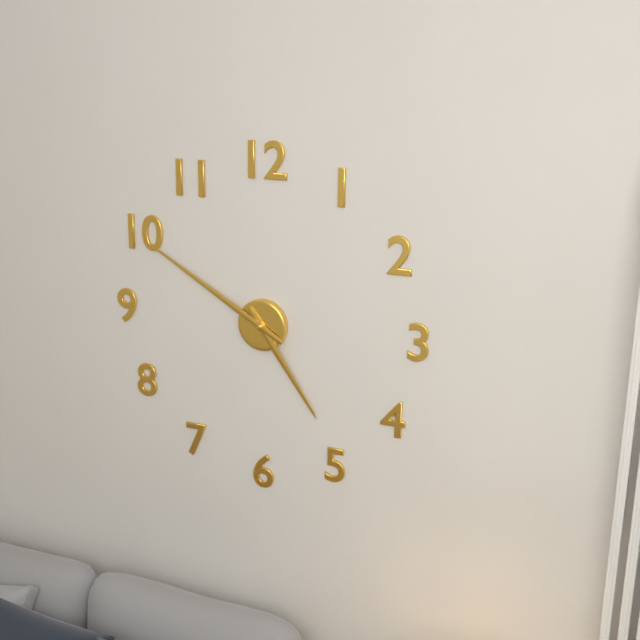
h=4 m=50
